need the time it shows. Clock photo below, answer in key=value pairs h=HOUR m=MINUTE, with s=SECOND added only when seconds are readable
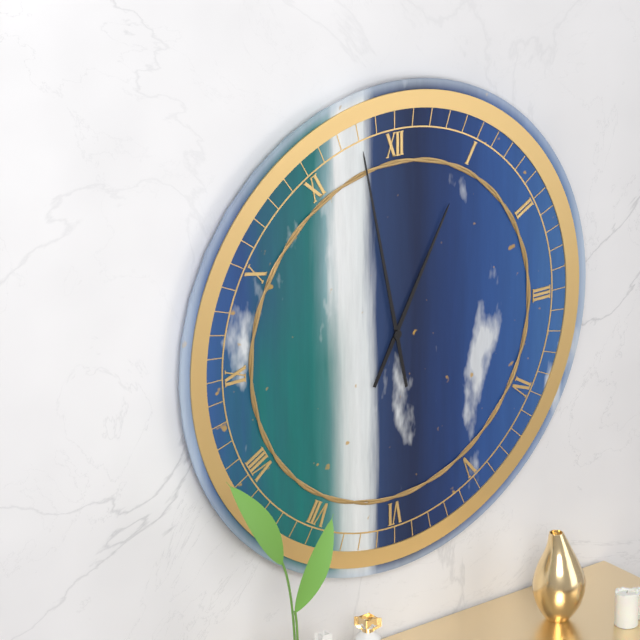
h=12 m=58
